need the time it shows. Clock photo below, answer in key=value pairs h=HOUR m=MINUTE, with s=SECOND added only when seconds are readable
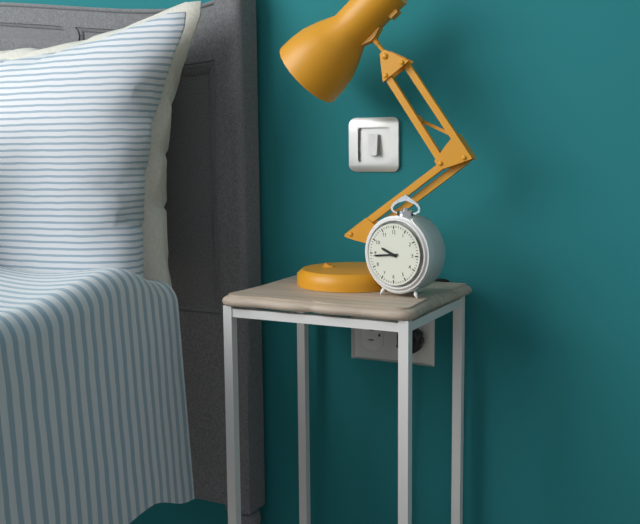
h=9 m=44
